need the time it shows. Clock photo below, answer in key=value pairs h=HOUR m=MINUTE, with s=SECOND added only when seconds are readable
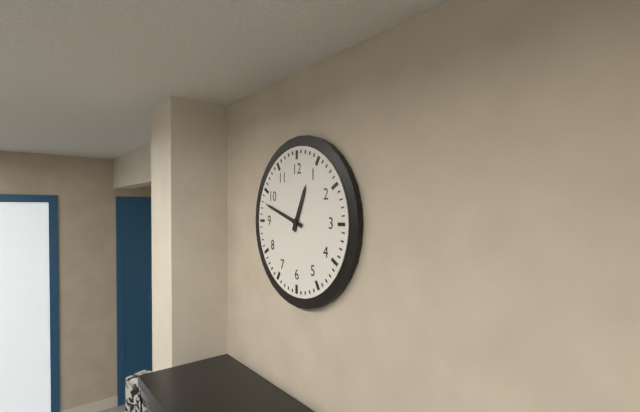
h=12 m=48
